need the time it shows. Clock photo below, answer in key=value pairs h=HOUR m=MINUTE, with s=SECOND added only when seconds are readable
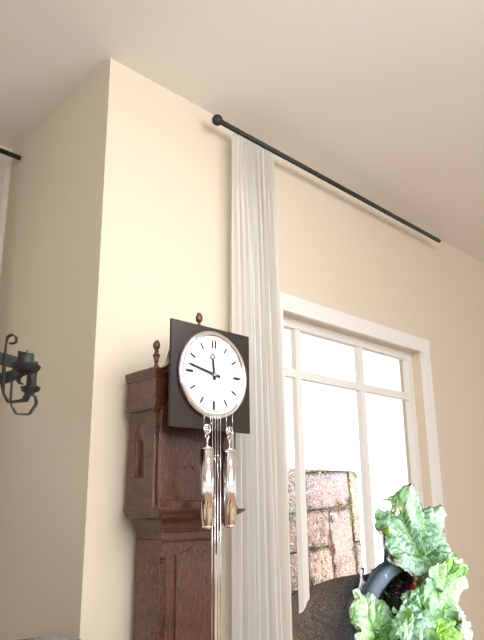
h=11 m=47
